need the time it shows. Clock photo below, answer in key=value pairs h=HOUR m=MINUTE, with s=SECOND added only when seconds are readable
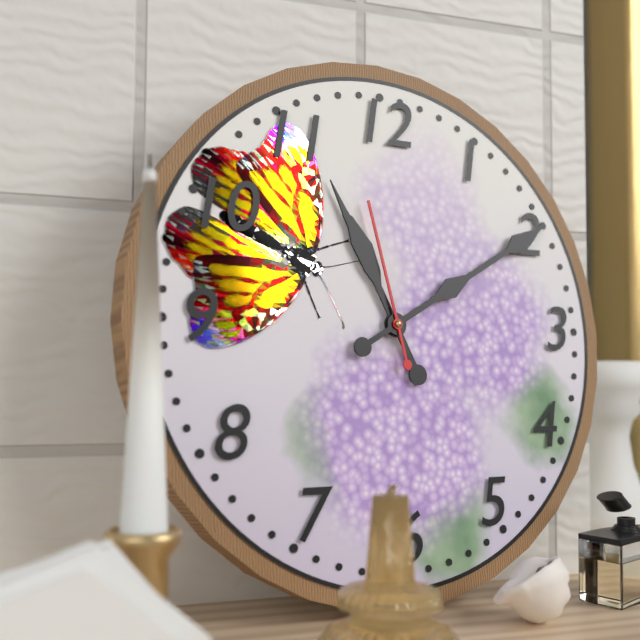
h=11 m=10 s=58
